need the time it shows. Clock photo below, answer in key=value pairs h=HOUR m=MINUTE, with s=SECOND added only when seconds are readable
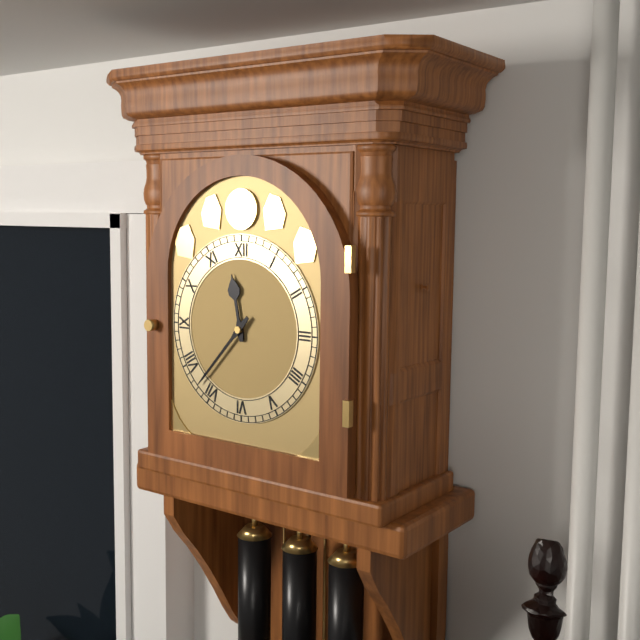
h=11 m=37
